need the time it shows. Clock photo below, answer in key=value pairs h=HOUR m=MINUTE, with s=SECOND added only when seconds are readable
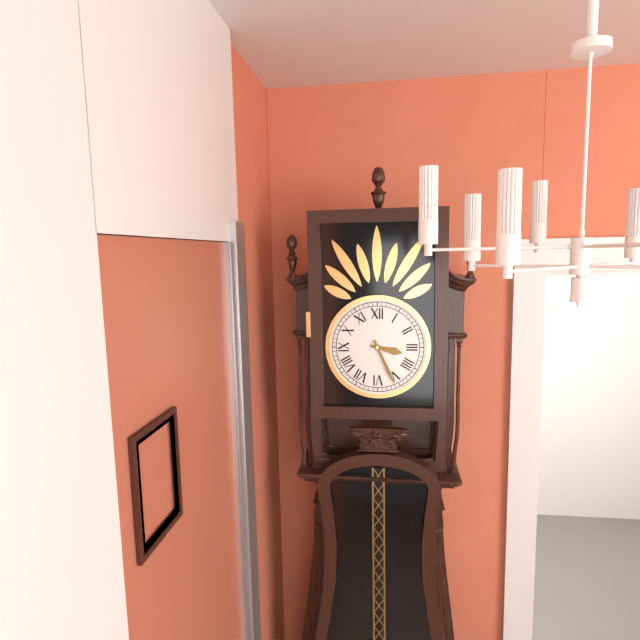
h=3 m=26
